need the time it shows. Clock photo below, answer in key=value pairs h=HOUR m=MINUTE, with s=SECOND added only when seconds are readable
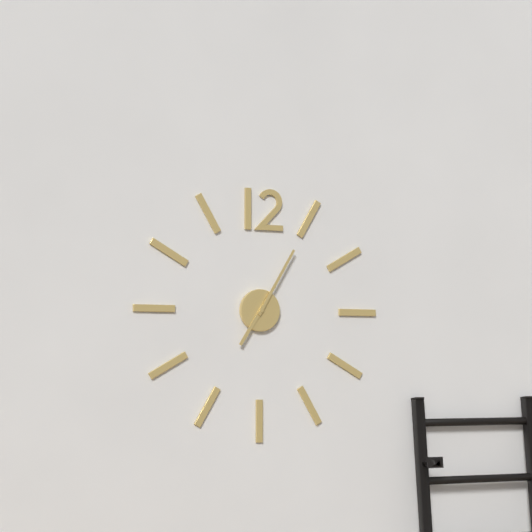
h=7 m=5
